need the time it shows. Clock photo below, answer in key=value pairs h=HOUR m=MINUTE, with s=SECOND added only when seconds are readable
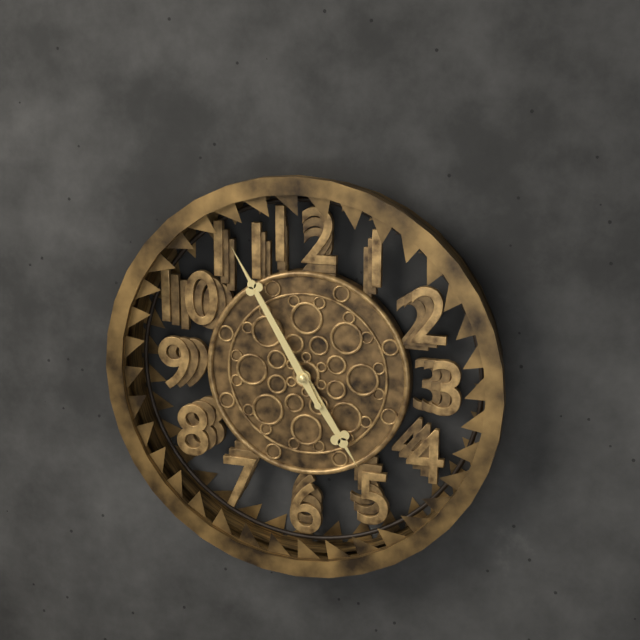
h=4 m=55
